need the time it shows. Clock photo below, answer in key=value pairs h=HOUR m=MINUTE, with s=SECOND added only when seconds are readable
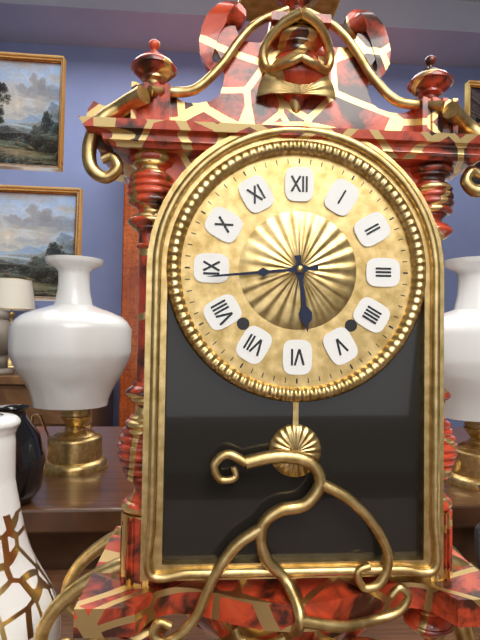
h=5 m=44
